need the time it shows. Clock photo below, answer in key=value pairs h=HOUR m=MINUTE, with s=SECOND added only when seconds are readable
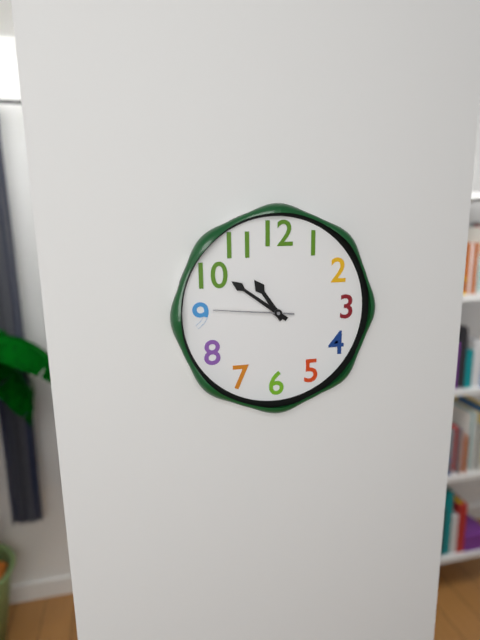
h=10 m=51 s=46
